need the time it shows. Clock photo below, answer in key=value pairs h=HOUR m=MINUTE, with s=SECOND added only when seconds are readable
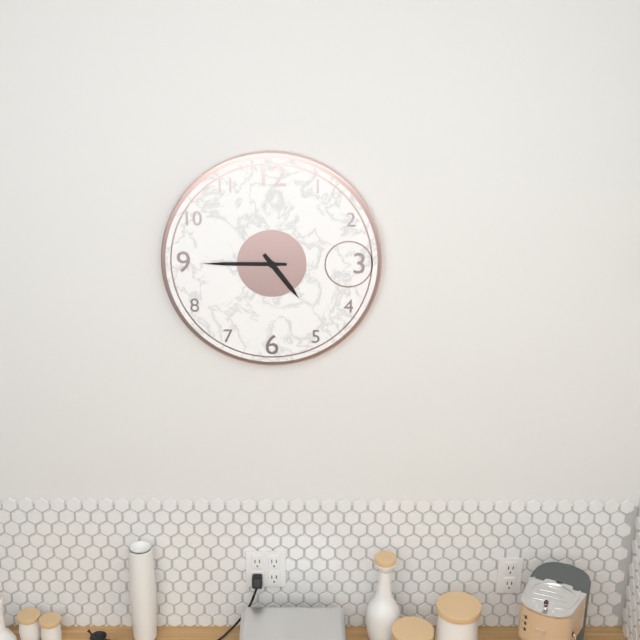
h=4 m=45
